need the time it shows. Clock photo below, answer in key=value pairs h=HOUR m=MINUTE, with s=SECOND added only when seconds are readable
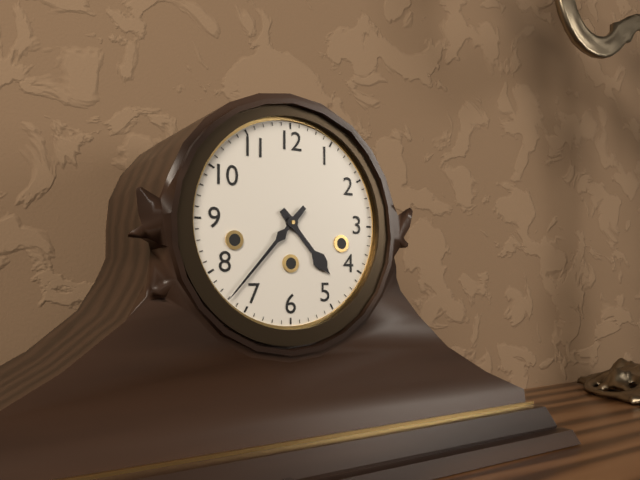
h=4 m=37
